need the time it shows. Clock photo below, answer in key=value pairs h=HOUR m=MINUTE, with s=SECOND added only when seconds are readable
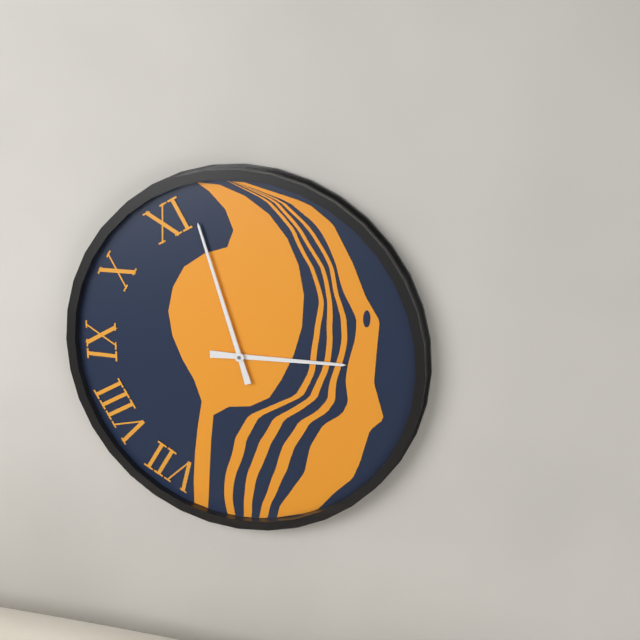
h=2 m=57
